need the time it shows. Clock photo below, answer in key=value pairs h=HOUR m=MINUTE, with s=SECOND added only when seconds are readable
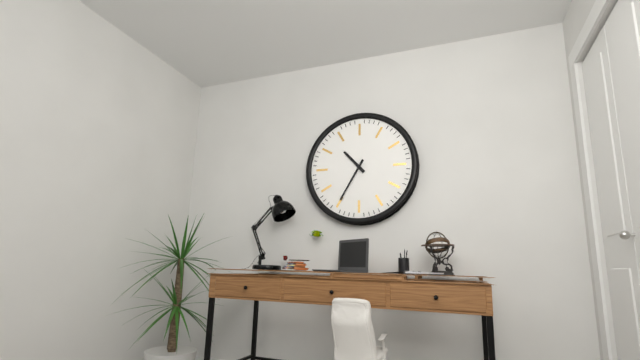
h=10 m=35
